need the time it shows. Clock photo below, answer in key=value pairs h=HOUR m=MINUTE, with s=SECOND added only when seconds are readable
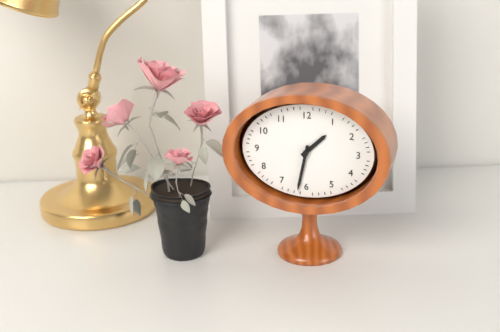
h=1 m=32
